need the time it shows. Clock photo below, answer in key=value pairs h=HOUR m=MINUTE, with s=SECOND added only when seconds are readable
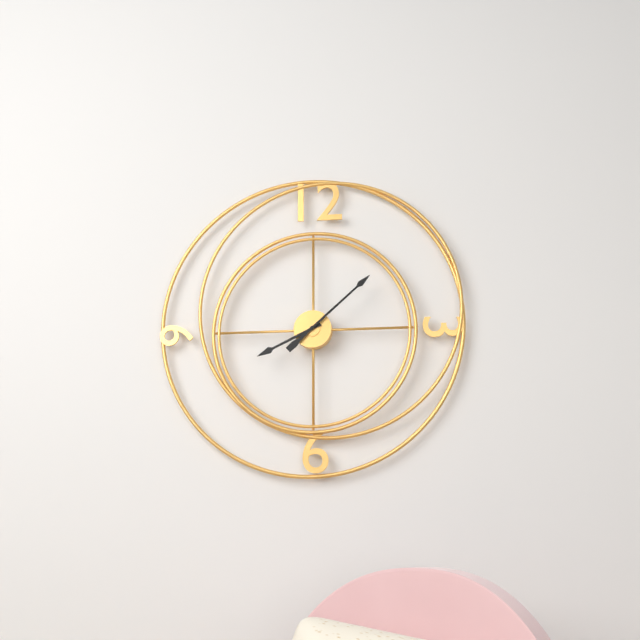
h=8 m=8
